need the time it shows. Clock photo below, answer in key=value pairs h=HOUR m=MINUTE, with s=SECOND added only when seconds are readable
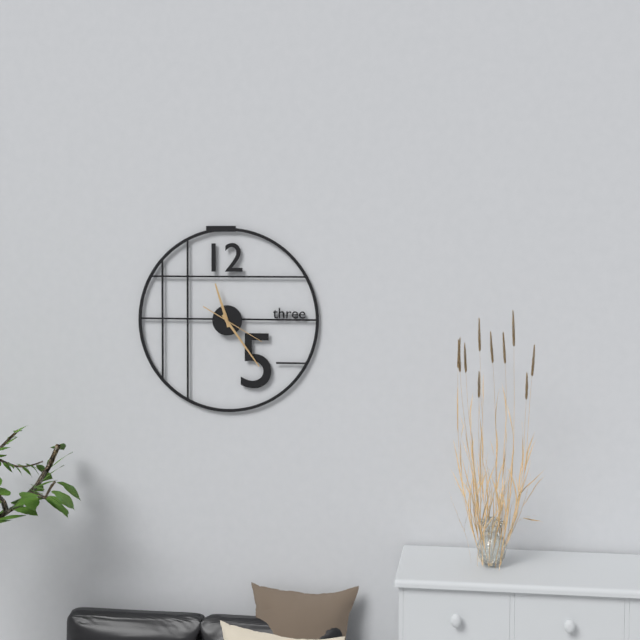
h=11 m=24 s=20
